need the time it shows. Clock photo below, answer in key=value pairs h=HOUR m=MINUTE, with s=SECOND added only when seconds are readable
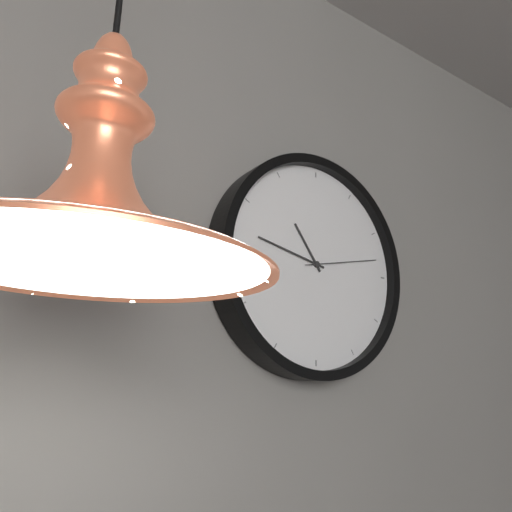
h=10 m=47 s=13
